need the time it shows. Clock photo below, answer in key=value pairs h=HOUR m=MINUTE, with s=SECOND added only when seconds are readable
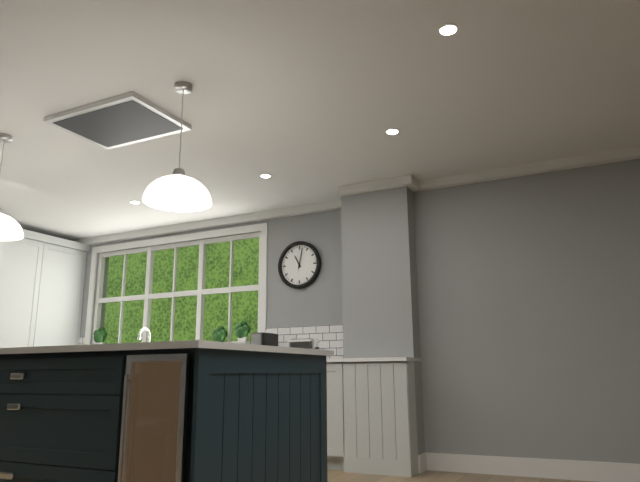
h=11 m=2
